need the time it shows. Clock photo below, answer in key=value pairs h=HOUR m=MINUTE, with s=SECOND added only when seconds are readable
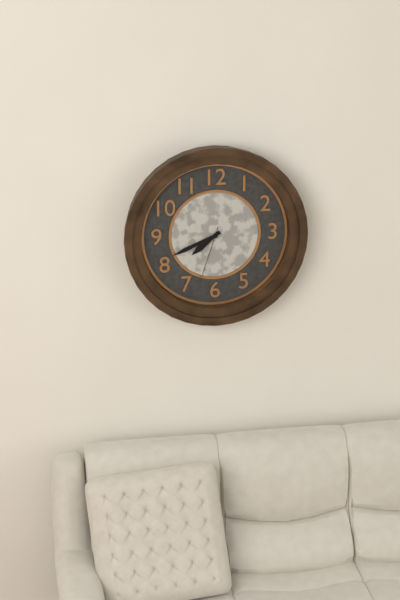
h=7 m=41 s=33
